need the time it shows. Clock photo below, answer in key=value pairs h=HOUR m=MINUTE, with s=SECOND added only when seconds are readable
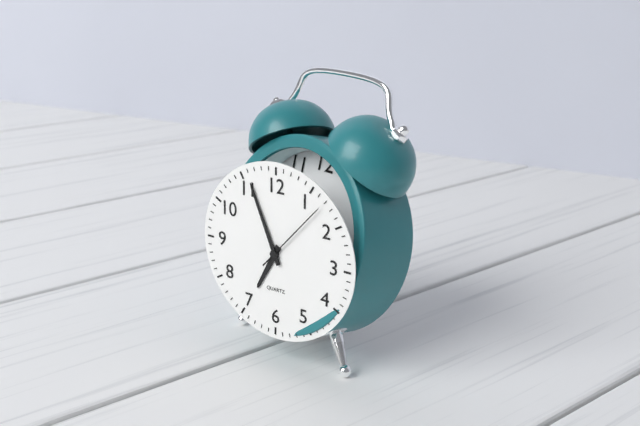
h=6 m=56 s=7
